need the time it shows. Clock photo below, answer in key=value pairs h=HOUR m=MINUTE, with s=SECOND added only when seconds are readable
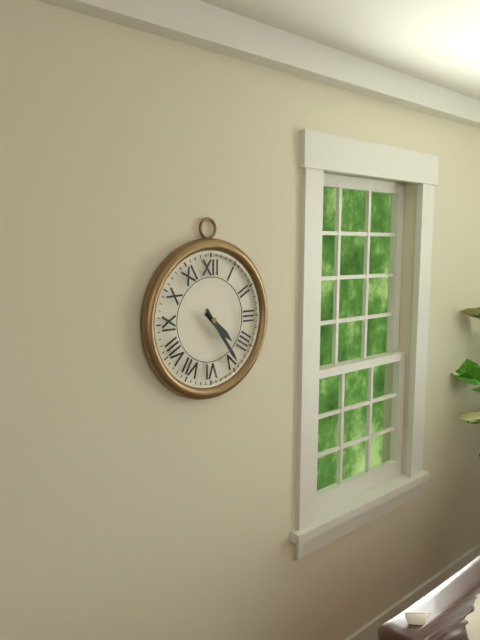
h=4 m=24
